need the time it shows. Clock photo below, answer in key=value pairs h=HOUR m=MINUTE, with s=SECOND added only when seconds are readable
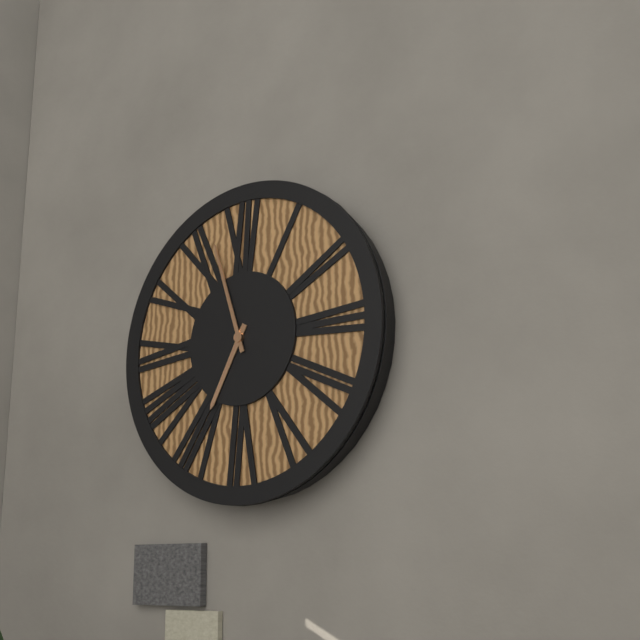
h=6 m=57
